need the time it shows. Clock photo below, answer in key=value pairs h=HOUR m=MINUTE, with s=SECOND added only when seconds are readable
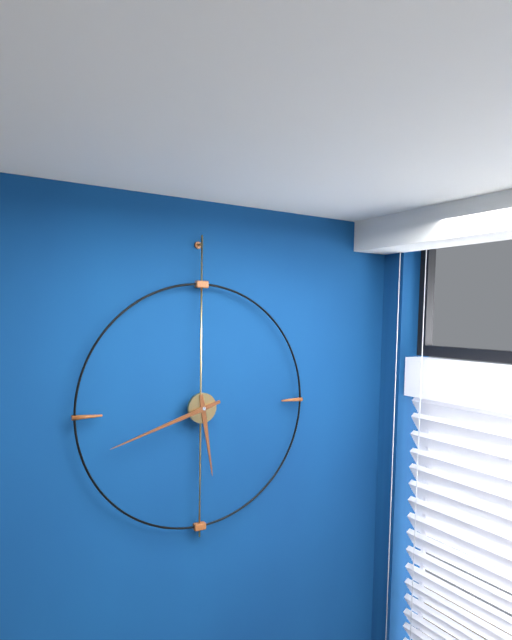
h=5 m=42
